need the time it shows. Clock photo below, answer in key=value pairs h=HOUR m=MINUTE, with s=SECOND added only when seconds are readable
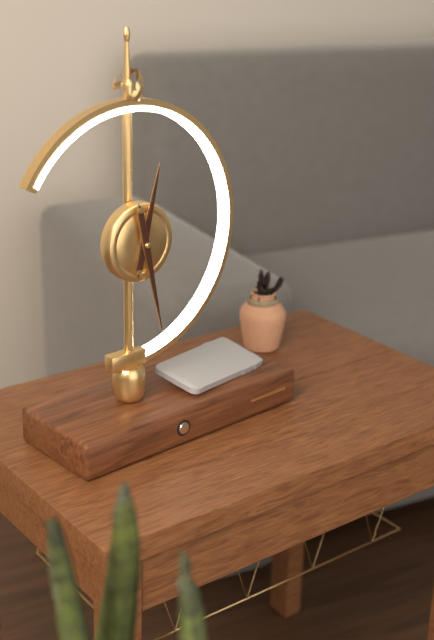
h=12 m=28
